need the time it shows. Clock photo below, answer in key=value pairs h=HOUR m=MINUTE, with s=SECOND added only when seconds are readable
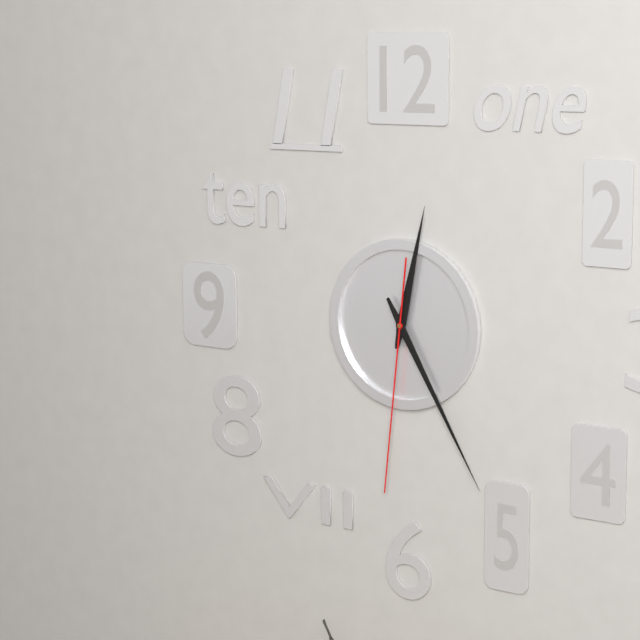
h=12 m=25 s=31
